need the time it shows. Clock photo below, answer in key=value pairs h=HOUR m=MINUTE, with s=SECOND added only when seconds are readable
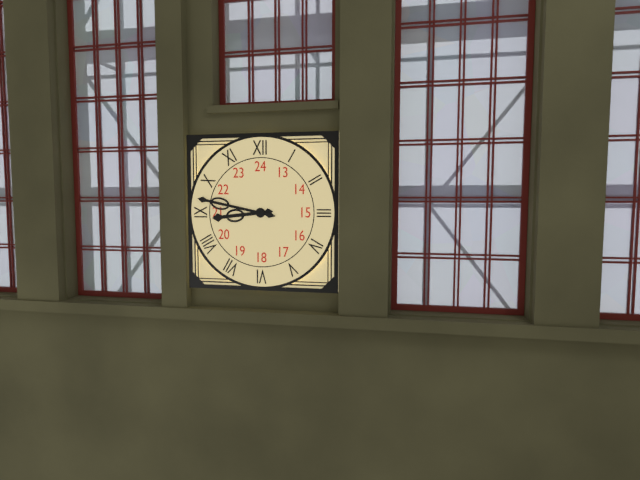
h=8 m=47
